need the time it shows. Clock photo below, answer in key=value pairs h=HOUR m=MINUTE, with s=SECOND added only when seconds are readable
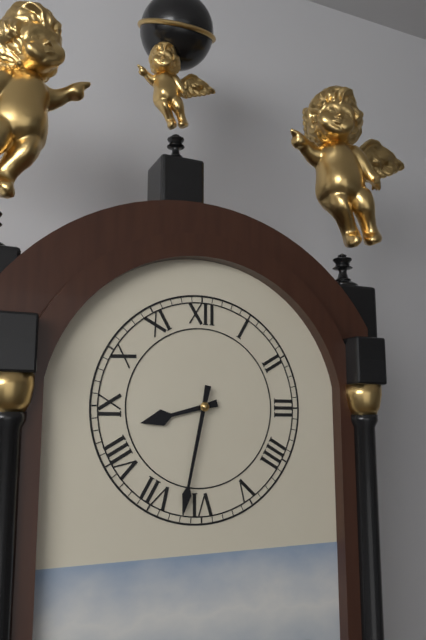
h=8 m=32
